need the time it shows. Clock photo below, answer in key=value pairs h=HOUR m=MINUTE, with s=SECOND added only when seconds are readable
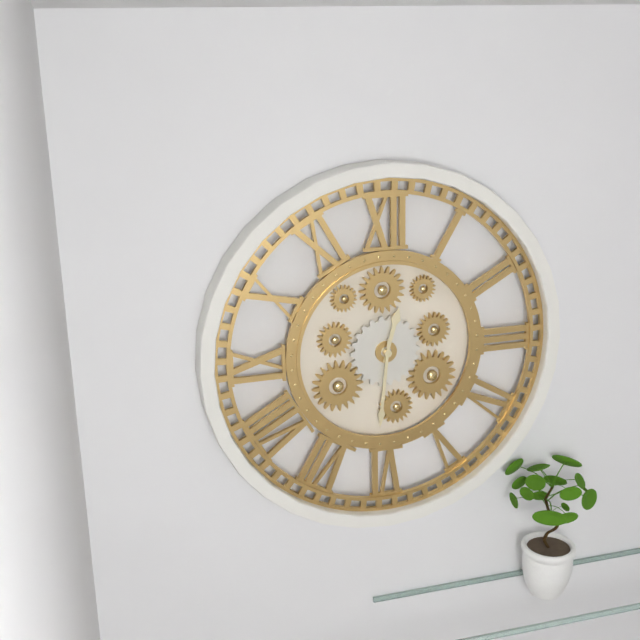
h=12 m=31
